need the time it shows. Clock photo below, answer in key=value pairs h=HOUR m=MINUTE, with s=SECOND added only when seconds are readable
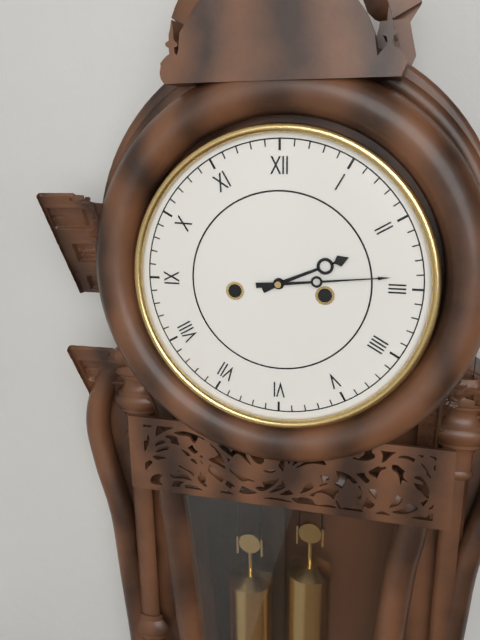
h=2 m=14
